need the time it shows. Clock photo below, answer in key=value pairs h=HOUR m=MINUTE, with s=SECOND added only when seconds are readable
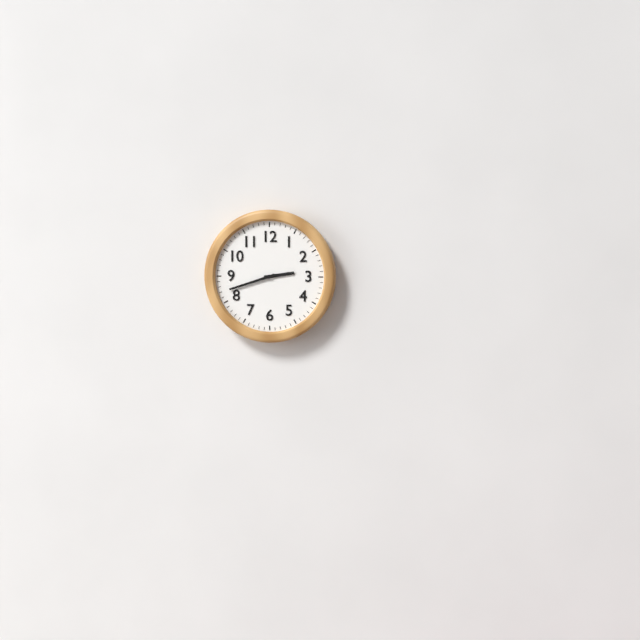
h=2 m=42
